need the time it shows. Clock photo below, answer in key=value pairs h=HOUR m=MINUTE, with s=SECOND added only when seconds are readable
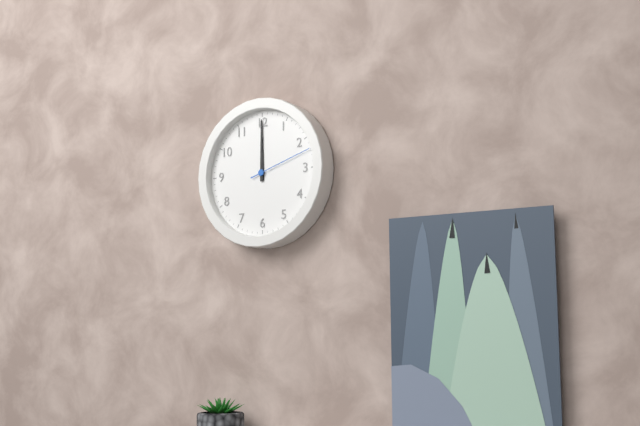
h=12 m=0 s=12
